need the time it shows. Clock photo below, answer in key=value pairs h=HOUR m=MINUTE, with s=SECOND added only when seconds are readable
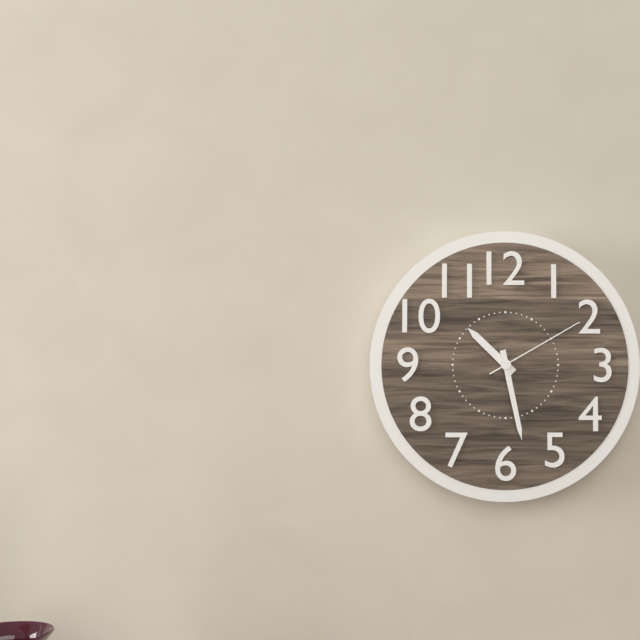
h=10 m=28 s=10
